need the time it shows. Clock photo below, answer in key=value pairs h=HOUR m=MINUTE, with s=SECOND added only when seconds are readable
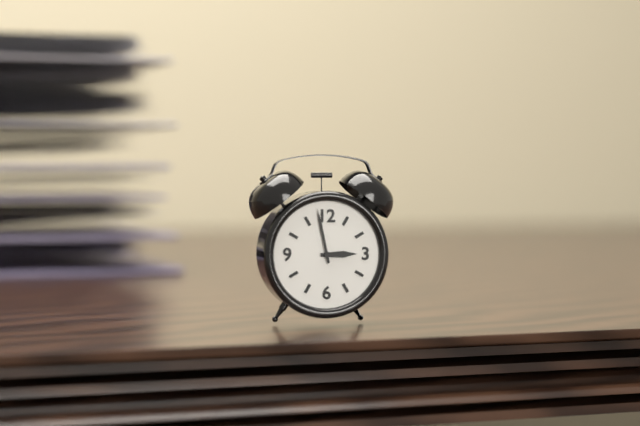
h=2 m=58
